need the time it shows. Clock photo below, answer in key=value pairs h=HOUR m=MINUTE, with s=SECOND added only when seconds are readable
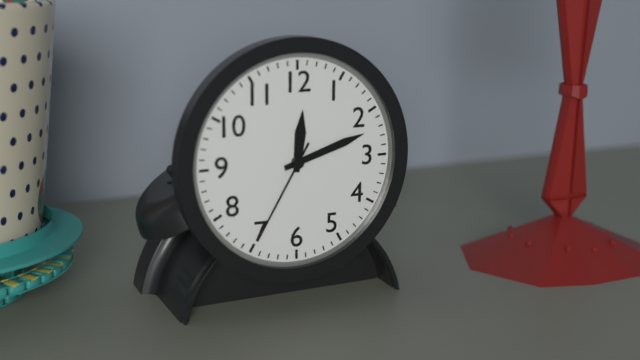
h=12 m=12 s=35
